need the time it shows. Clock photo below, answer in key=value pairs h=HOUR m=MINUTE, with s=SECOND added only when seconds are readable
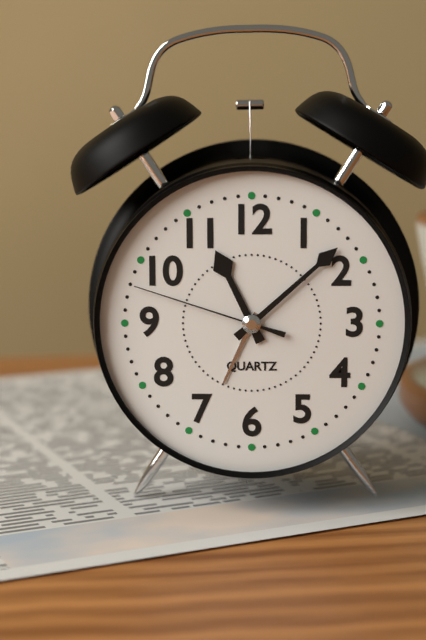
h=11 m=8 s=48
